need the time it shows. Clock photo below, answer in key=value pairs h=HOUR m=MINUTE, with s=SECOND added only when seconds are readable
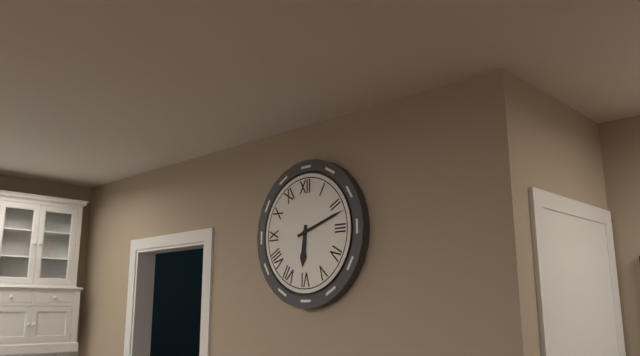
h=6 m=12
